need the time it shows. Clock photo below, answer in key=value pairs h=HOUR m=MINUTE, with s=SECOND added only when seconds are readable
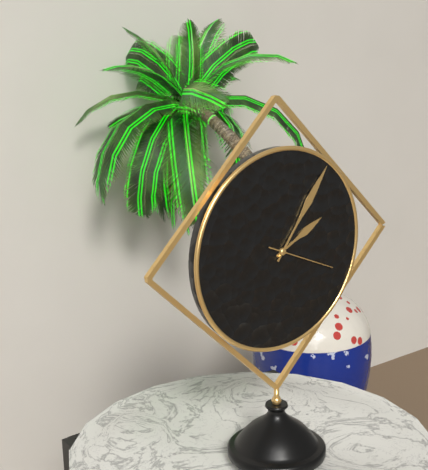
h=2 m=6 s=19
